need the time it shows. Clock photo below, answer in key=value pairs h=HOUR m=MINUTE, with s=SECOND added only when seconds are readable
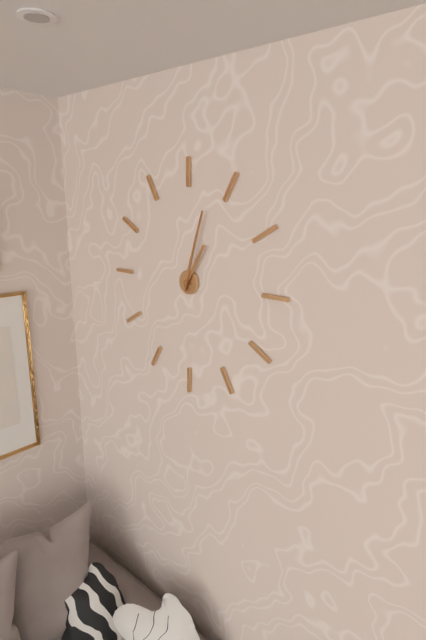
h=1 m=3
